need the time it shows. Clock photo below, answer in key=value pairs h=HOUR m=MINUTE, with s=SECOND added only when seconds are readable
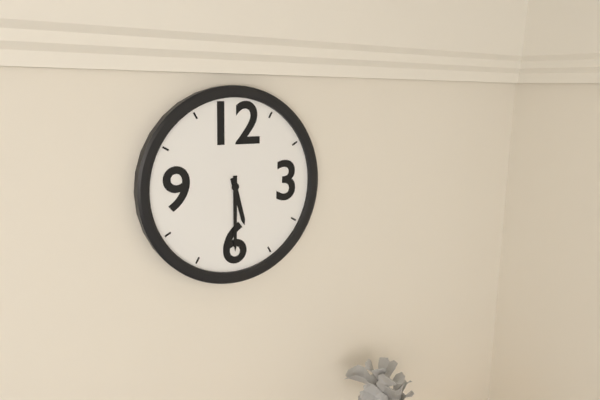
h=5 m=30
